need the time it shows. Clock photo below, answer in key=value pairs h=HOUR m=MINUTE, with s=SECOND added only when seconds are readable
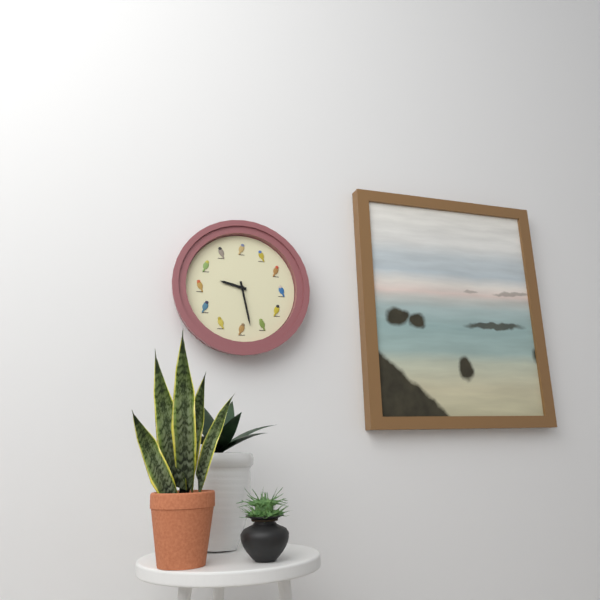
h=9 m=28
